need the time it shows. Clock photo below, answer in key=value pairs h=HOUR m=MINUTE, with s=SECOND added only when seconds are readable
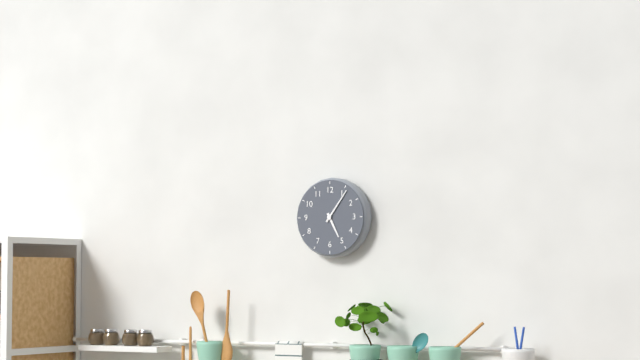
h=5 m=6
